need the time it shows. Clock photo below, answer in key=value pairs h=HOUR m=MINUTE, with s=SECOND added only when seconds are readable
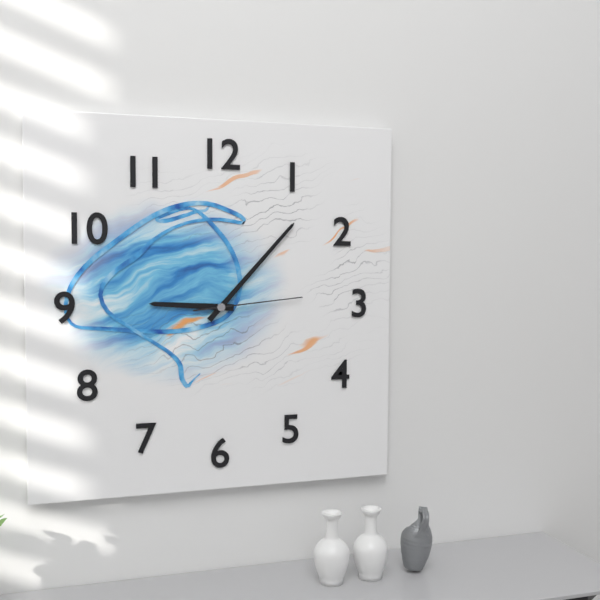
h=9 m=7 s=14
